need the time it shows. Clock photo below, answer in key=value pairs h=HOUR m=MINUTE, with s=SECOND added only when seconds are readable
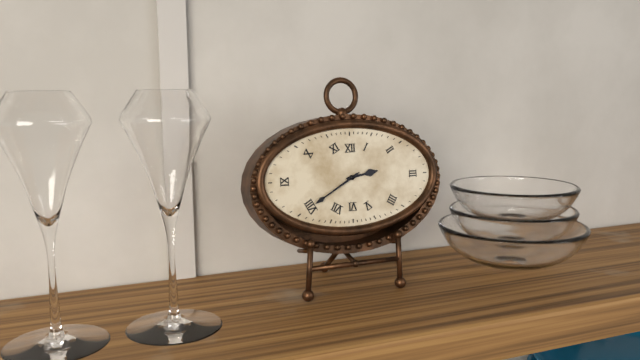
h=2 m=40
